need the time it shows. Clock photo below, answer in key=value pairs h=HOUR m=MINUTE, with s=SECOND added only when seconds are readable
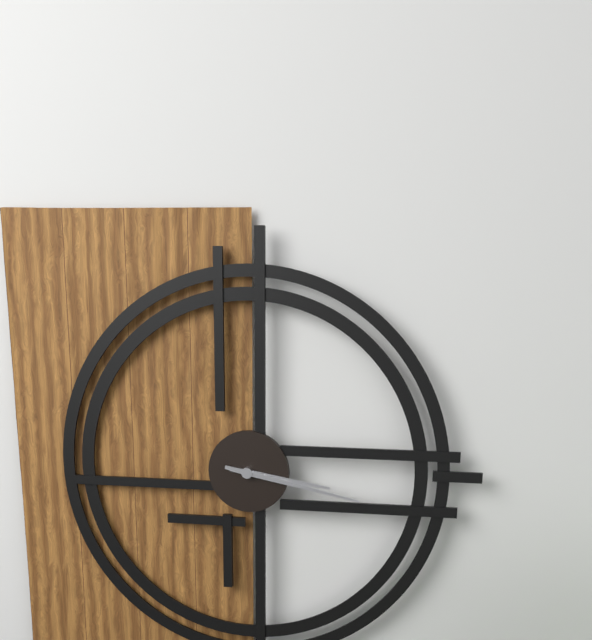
h=3 m=17
